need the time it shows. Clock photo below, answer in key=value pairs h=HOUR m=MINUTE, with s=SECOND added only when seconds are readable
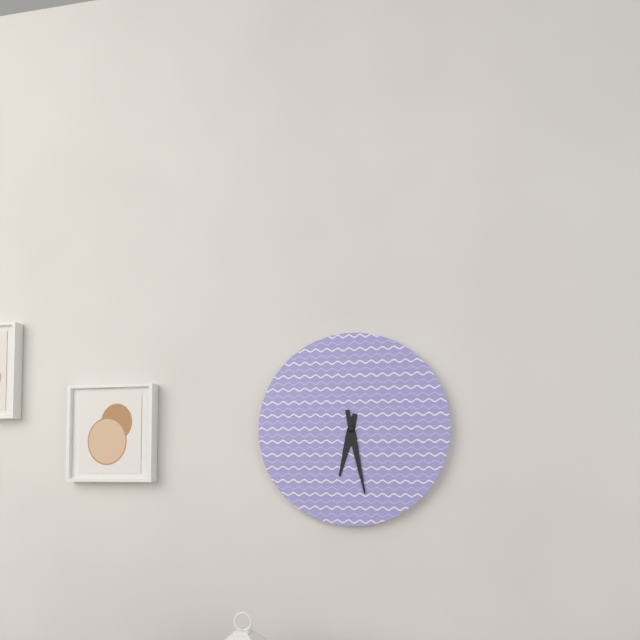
h=6 m=28
